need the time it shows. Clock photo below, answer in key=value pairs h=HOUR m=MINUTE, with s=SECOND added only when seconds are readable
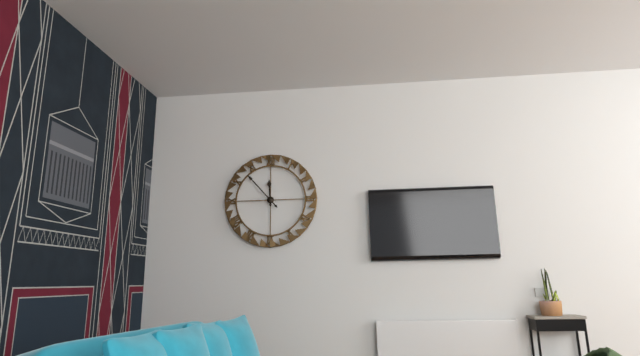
h=11 m=53
